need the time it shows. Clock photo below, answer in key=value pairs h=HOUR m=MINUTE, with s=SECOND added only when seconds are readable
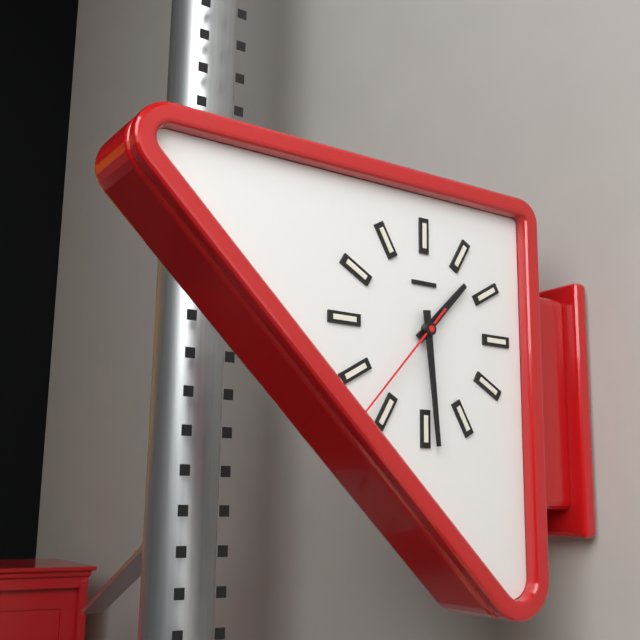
h=1 m=29 s=37
